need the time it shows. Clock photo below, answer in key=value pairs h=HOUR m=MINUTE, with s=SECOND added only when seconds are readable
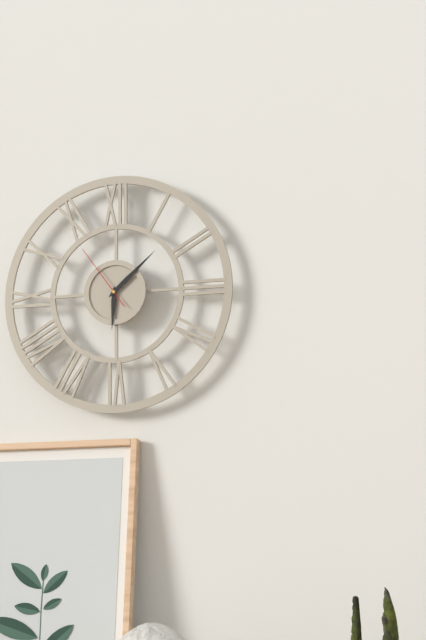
h=6 m=8 s=54
